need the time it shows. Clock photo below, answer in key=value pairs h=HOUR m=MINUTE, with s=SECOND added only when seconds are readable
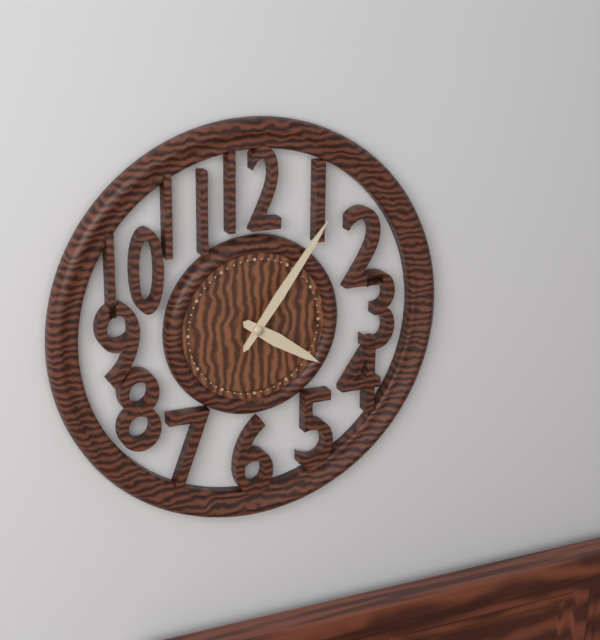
h=4 m=6
